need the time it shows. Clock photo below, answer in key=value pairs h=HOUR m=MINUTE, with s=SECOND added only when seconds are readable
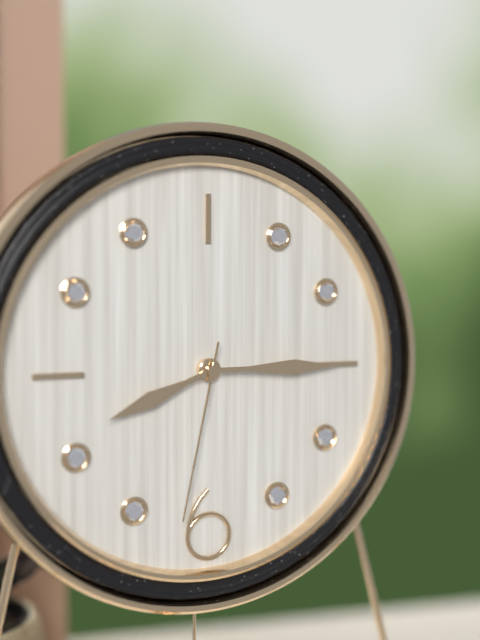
h=8 m=15 s=32
